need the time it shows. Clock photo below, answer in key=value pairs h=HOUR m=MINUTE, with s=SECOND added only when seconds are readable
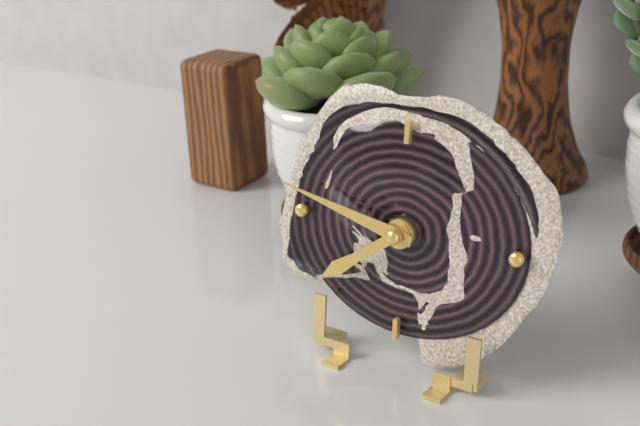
h=7 m=47
